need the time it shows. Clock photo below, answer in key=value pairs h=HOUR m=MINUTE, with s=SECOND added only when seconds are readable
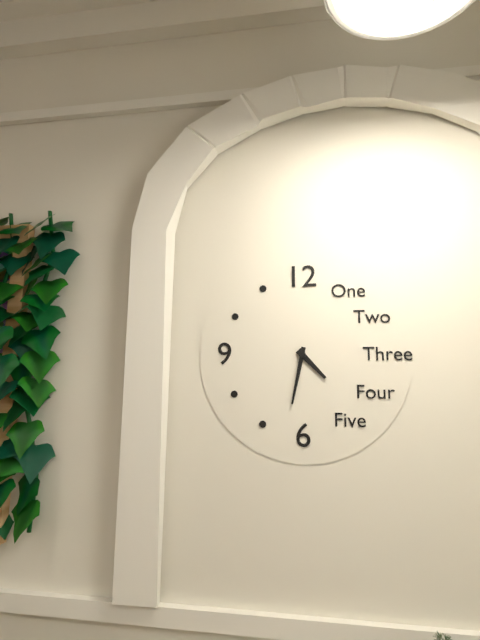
h=4 m=32
